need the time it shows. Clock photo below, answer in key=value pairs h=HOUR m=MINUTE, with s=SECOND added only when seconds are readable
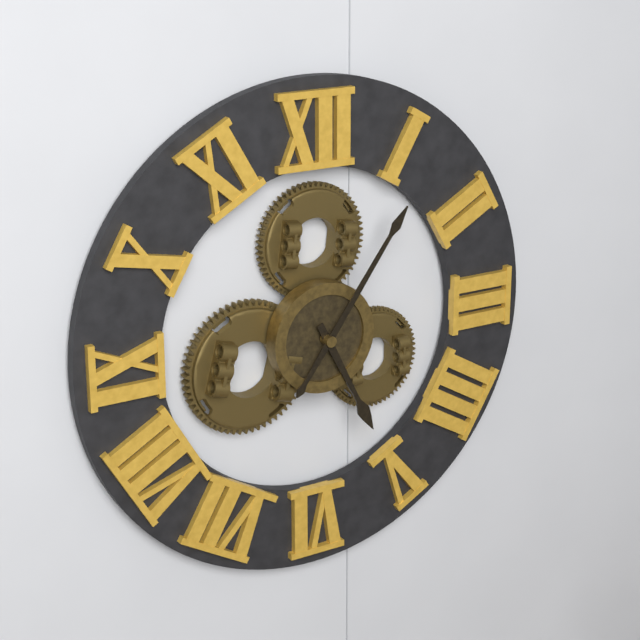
h=5 m=6
